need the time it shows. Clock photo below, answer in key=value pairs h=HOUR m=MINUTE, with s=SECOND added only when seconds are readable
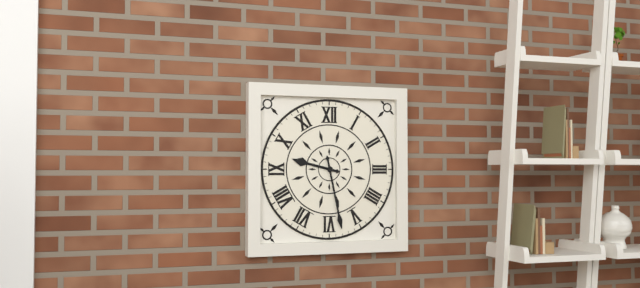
h=9 m=28
